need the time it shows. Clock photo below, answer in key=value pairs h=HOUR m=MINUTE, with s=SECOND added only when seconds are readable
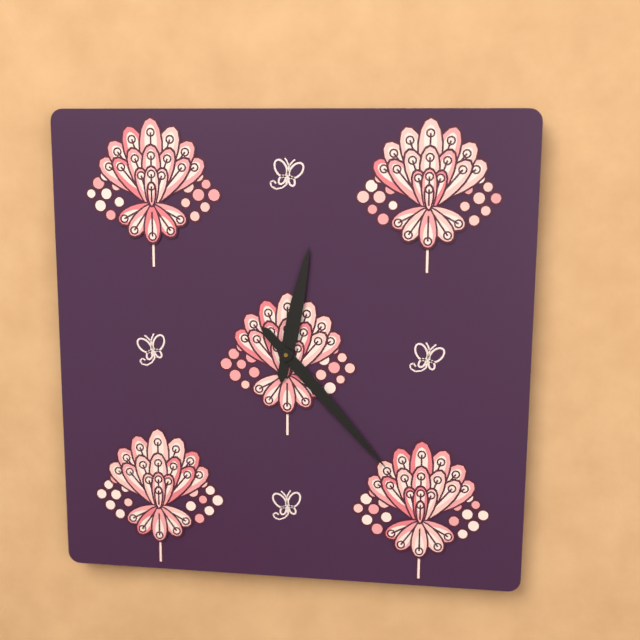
h=12 m=23
